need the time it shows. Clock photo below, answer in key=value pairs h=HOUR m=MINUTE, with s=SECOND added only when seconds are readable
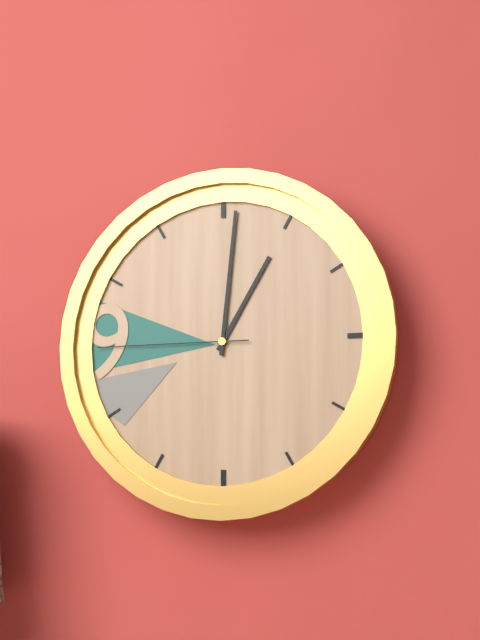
h=1 m=1 s=45
